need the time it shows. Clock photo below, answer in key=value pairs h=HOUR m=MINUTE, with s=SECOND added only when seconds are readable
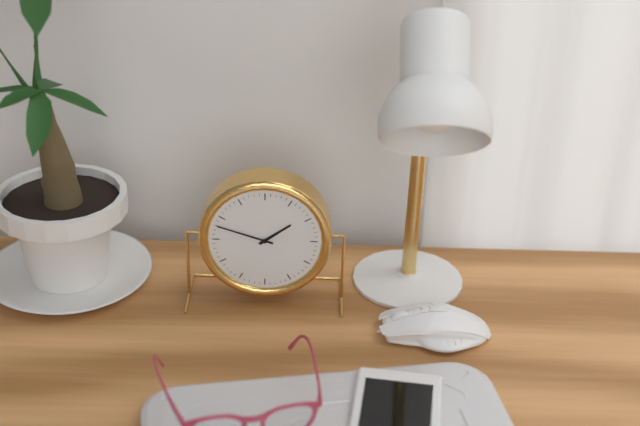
h=1 m=48
